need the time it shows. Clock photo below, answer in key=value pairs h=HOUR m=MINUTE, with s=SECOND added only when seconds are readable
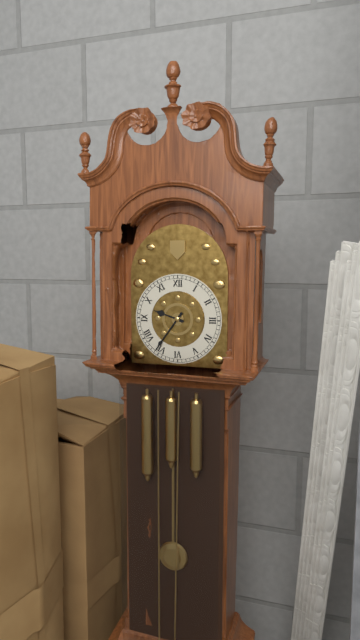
h=9 m=36
